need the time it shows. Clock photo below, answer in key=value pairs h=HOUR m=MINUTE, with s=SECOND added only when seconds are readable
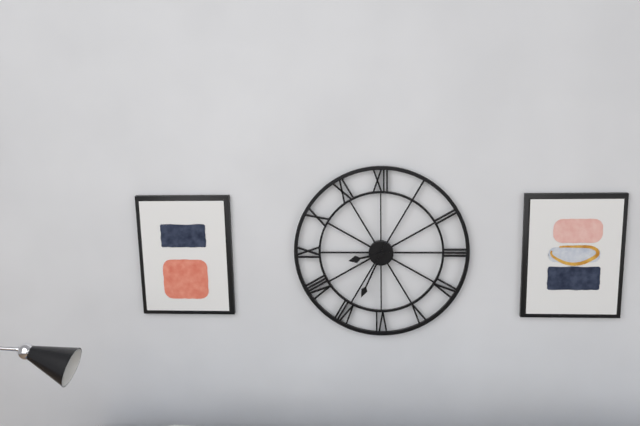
h=8 m=34
